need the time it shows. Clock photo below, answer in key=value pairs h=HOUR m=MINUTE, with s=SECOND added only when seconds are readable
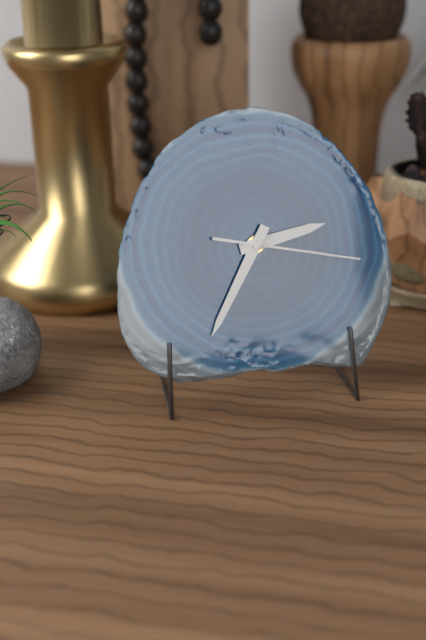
h=2 m=35 s=17
